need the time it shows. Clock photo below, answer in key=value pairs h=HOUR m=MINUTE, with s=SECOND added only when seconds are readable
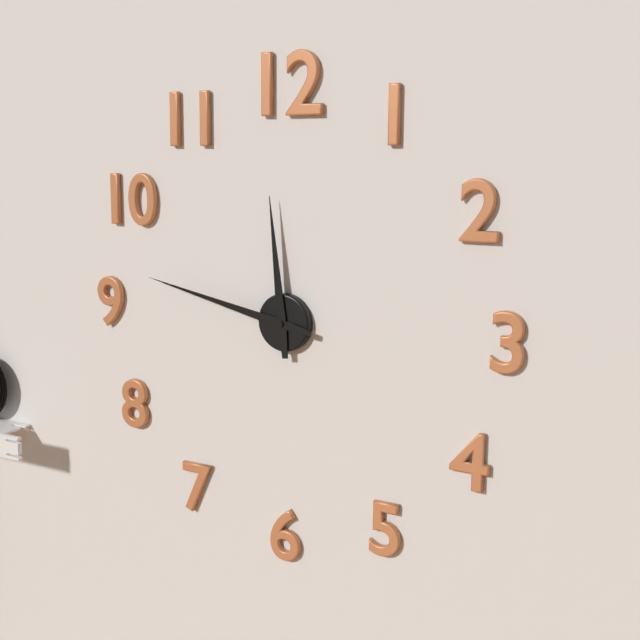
h=11 m=47
